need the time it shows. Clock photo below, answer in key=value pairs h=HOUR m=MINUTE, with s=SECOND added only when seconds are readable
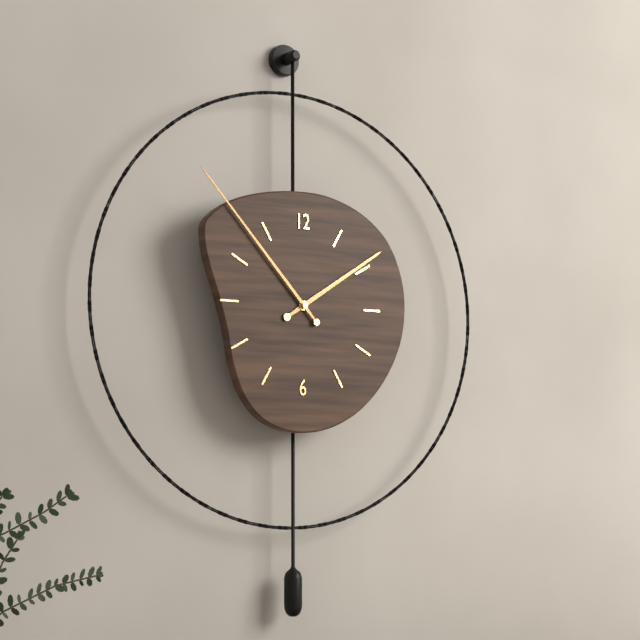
h=1 m=53
